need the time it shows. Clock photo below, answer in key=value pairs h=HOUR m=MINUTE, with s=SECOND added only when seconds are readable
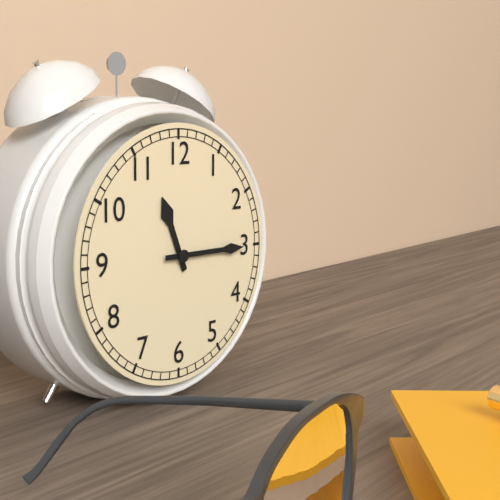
h=11 m=15
